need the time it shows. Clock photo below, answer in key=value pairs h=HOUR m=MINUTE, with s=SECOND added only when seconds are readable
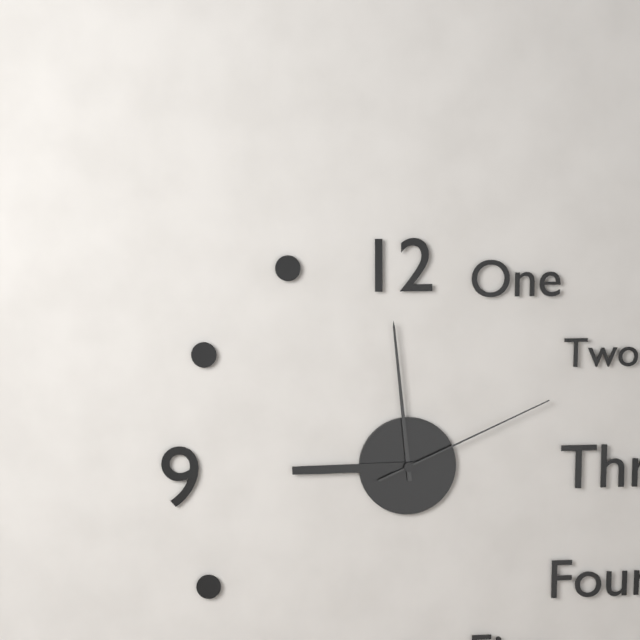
h=8 m=59 s=11
